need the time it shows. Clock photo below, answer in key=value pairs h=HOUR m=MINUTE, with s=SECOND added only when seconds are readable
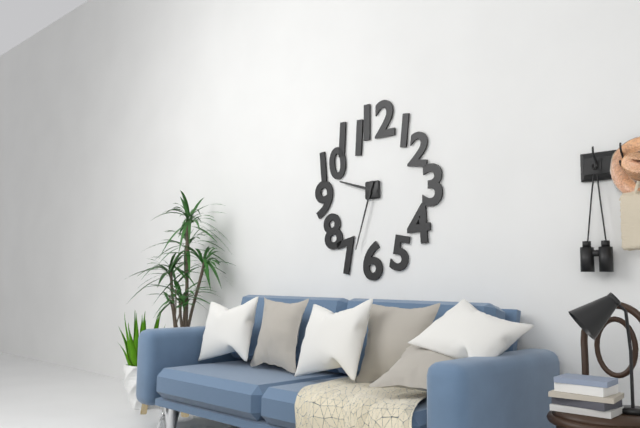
h=9 m=33
